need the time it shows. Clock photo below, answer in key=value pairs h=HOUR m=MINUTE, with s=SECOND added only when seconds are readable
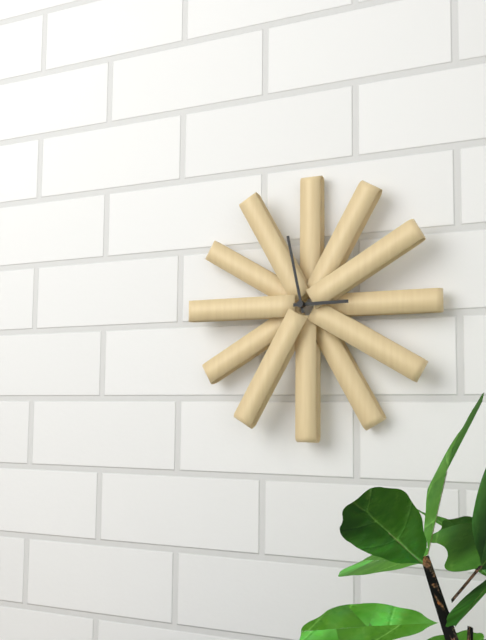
h=2 m=58
